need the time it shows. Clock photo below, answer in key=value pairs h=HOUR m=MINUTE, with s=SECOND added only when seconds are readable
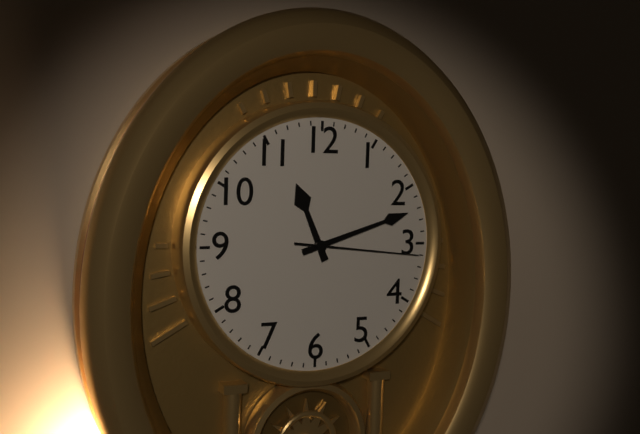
h=11 m=12 s=16
